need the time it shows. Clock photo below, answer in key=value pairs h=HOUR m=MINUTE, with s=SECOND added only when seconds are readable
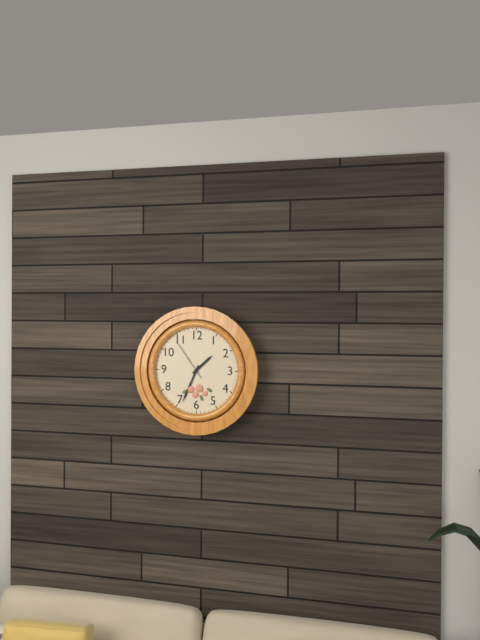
h=1 m=34
